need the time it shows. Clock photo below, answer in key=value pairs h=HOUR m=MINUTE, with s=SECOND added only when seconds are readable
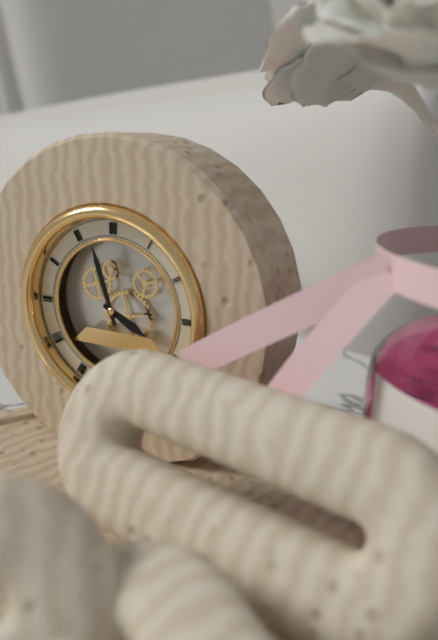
h=3 m=57
